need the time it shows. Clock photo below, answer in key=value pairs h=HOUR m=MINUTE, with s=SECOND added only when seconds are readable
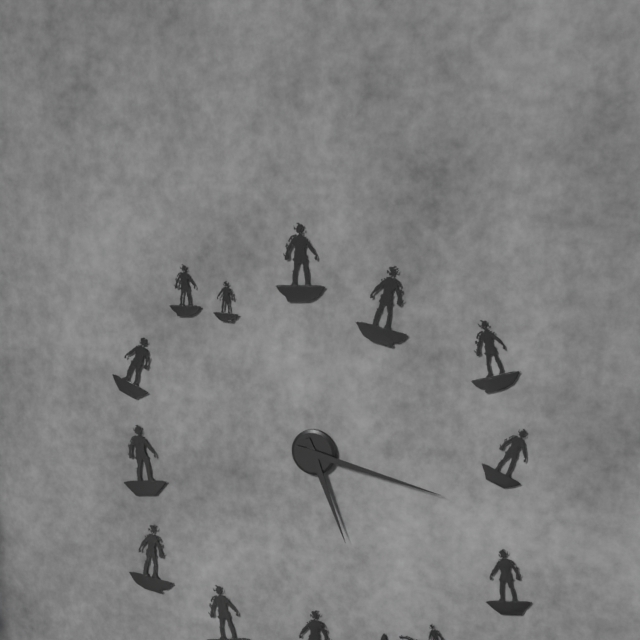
h=5 m=17
